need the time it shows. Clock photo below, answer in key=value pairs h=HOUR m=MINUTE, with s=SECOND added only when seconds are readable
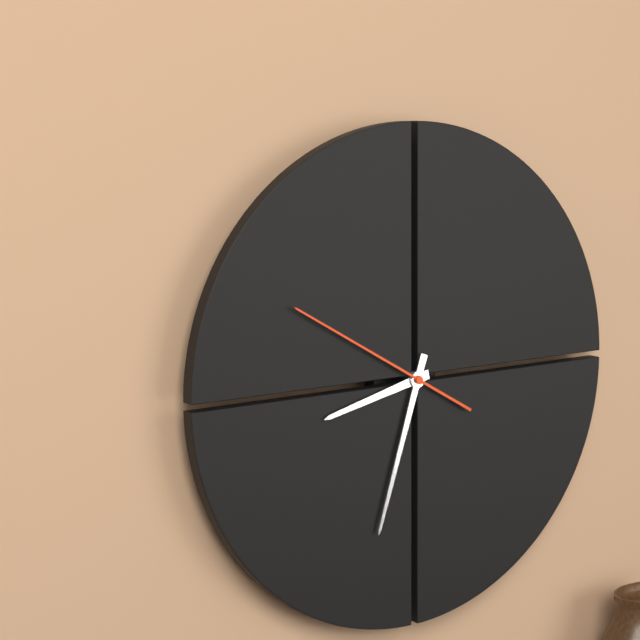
h=8 m=33 s=50
